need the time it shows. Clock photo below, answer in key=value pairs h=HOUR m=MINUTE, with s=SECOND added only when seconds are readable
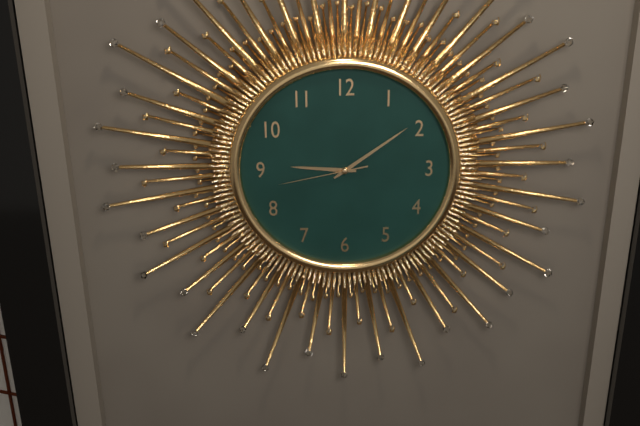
h=9 m=9 s=43
